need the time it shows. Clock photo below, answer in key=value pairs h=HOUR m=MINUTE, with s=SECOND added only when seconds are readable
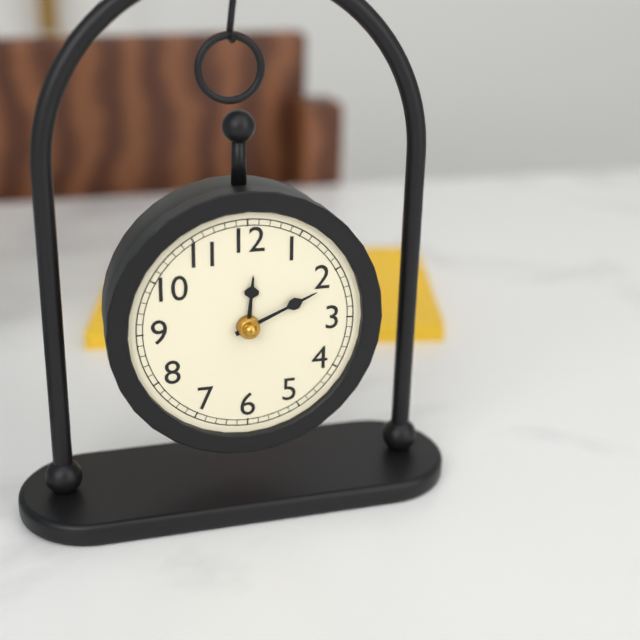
h=12 m=11
